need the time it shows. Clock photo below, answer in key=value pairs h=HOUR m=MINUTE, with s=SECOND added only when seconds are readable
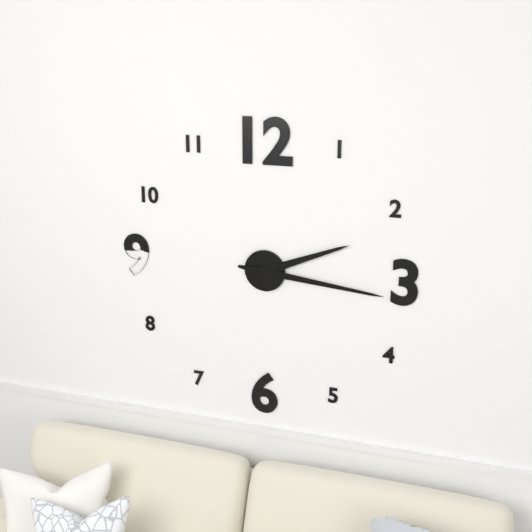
h=2 m=16
